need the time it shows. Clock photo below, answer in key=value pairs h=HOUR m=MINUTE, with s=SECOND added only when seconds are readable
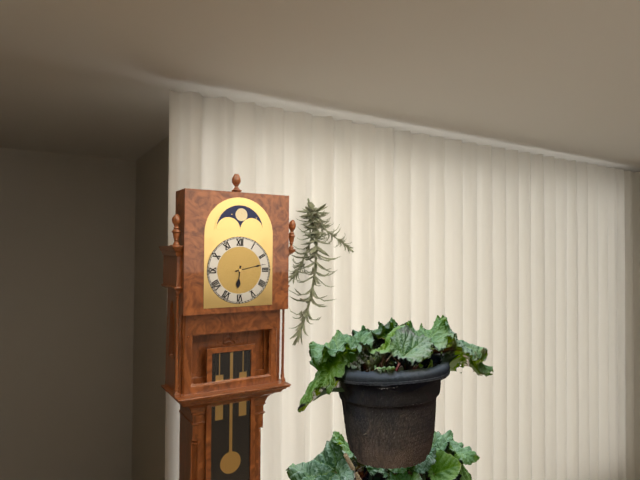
h=6 m=13
